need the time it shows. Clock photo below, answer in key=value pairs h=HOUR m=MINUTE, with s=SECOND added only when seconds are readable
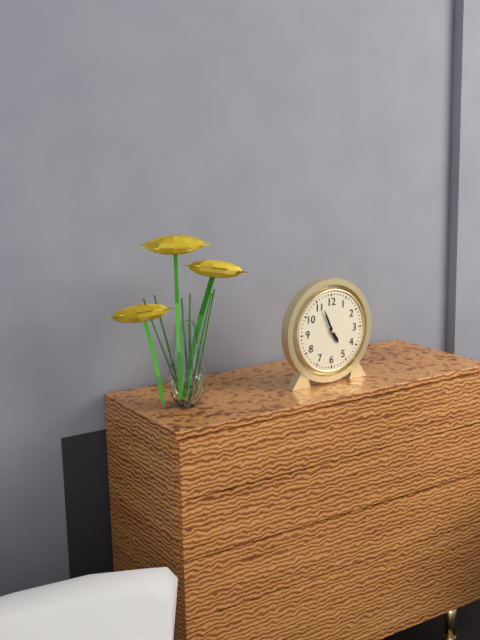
h=4 m=56
